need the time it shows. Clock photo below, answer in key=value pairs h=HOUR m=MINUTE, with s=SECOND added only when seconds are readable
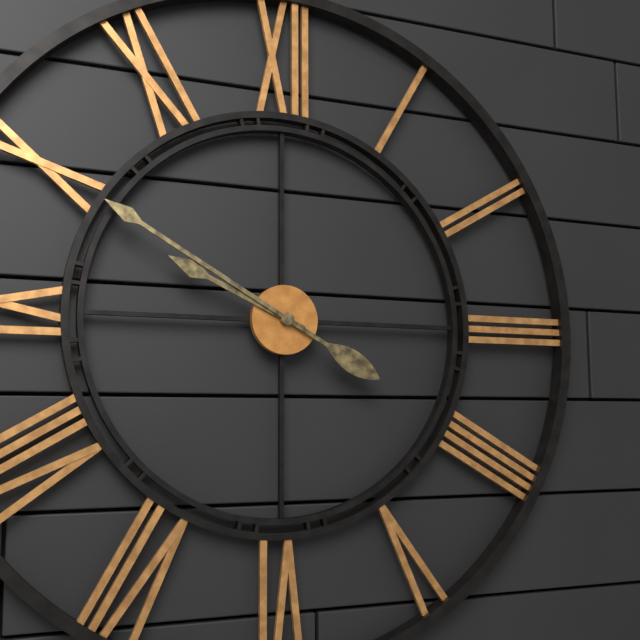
h=9 m=50
